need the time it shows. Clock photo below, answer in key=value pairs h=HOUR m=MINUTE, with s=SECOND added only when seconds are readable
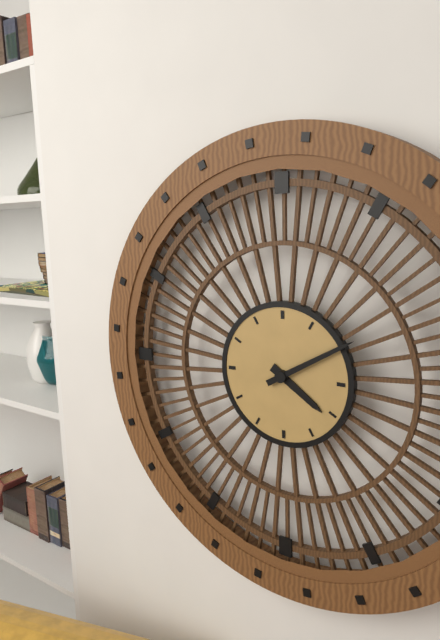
h=4 m=10
